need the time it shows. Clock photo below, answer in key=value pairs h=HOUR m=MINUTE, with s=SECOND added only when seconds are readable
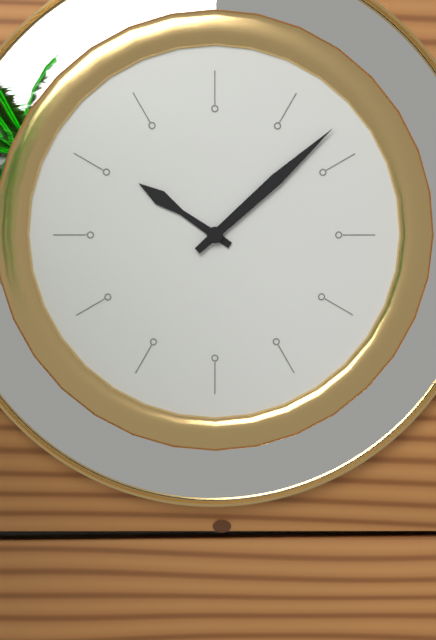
h=10 m=8
